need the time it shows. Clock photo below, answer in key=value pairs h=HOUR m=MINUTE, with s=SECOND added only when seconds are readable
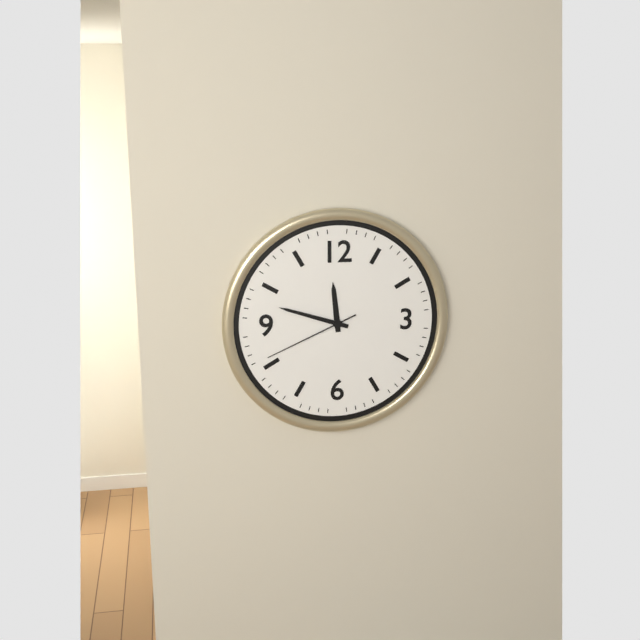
h=11 m=48 s=41
